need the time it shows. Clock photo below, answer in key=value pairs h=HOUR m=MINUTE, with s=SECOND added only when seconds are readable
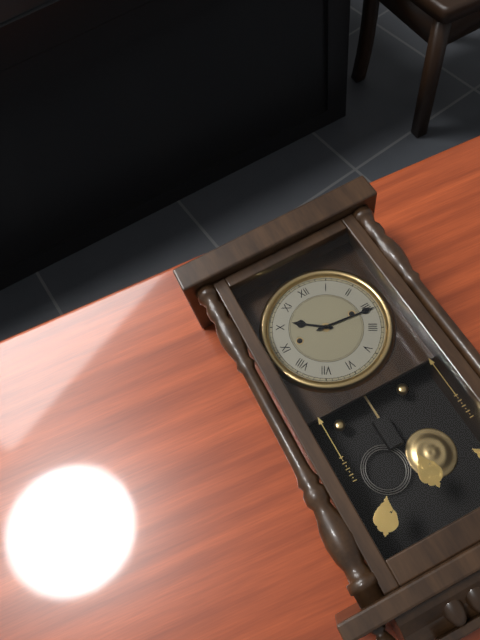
h=10 m=16
